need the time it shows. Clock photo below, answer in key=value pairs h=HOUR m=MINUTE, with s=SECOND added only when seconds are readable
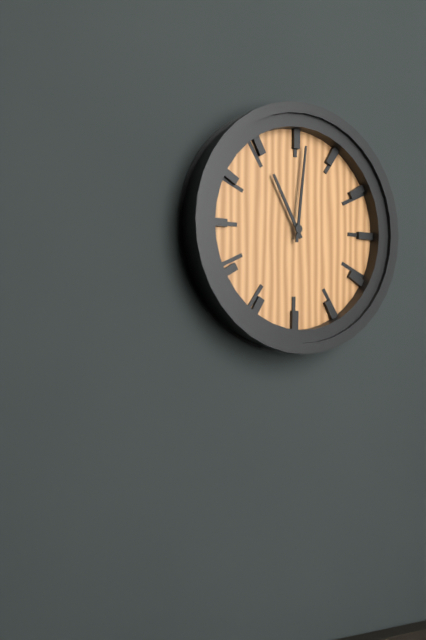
h=11 m=1
